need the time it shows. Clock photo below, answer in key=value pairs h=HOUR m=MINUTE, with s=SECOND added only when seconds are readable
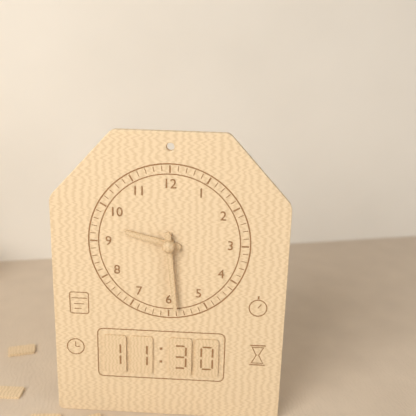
h=9 m=29
